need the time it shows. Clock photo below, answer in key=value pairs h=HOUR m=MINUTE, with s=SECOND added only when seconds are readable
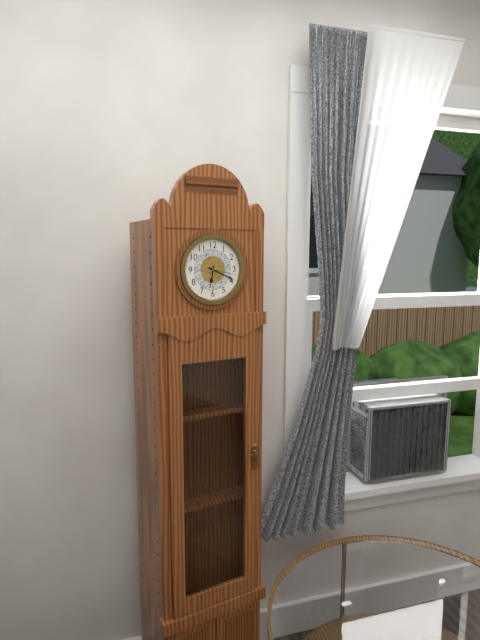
h=6 m=19
